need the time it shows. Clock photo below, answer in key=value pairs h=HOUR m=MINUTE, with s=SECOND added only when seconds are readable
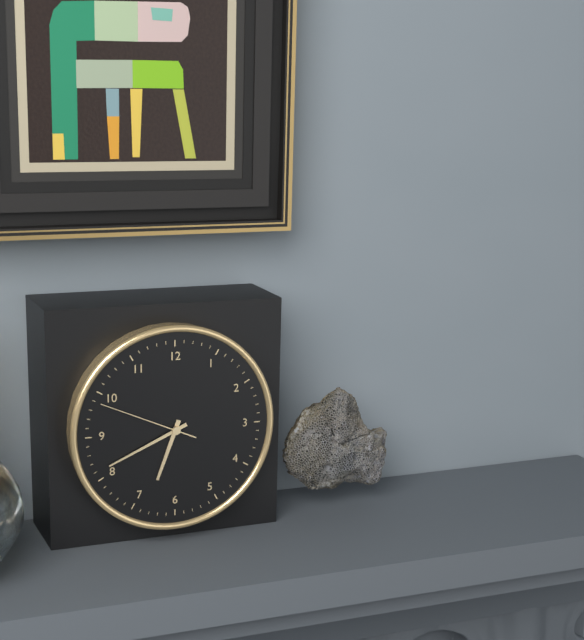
h=6 m=41 s=49
